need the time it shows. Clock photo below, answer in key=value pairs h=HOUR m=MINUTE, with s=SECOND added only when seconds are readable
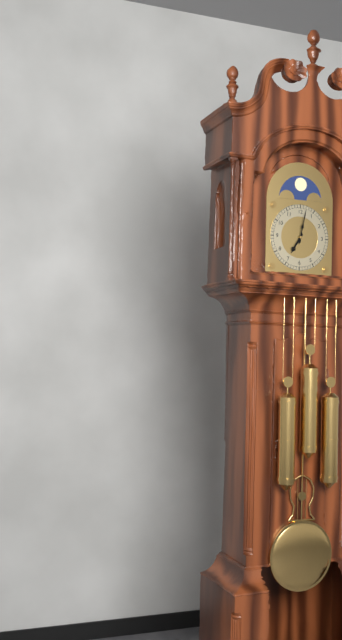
h=7 m=2
